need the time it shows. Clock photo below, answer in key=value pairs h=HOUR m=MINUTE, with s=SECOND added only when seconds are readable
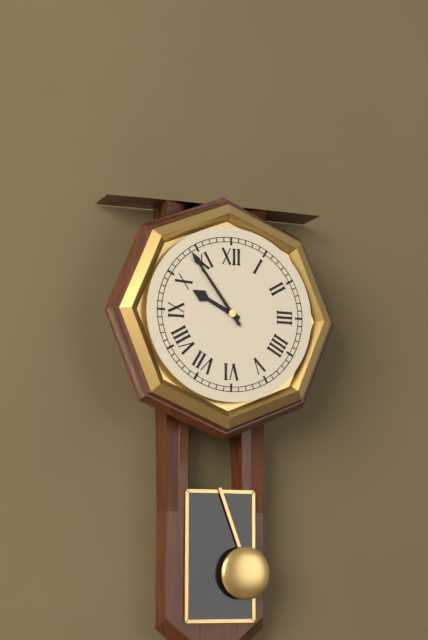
h=9 m=54
